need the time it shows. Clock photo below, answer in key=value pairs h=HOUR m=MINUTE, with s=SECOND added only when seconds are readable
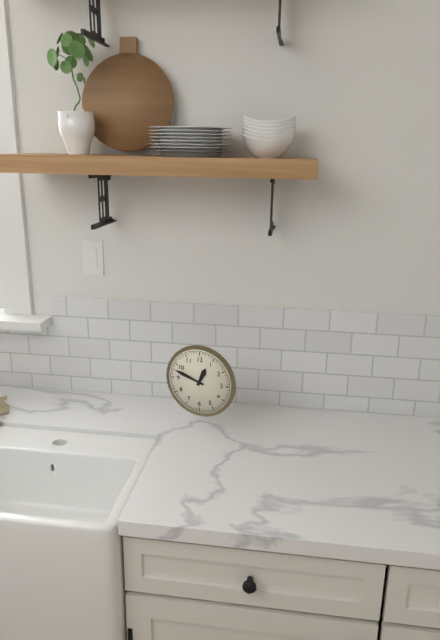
h=12 m=48
